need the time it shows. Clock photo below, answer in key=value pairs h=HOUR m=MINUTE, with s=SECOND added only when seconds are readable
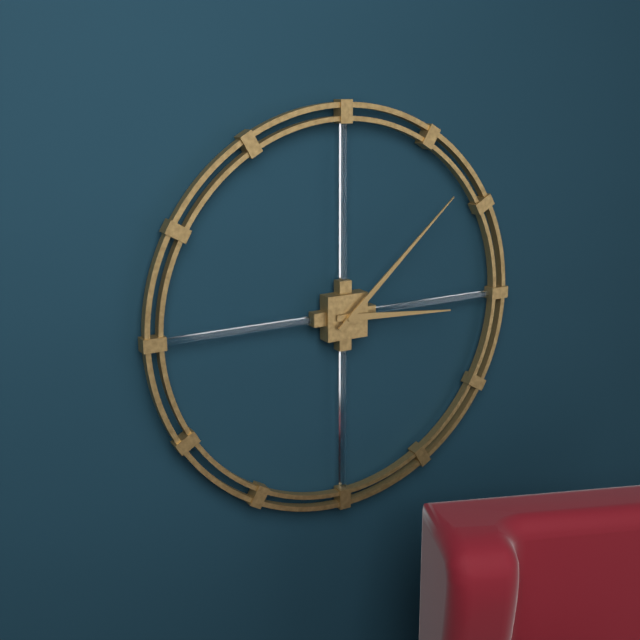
h=3 m=8
